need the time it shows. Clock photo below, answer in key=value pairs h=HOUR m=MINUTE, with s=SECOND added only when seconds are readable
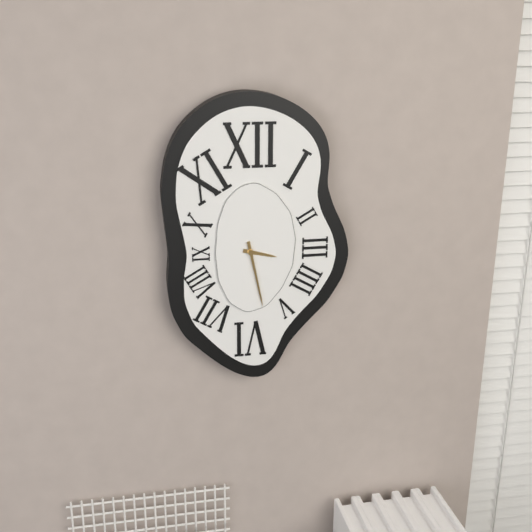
h=3 m=28
